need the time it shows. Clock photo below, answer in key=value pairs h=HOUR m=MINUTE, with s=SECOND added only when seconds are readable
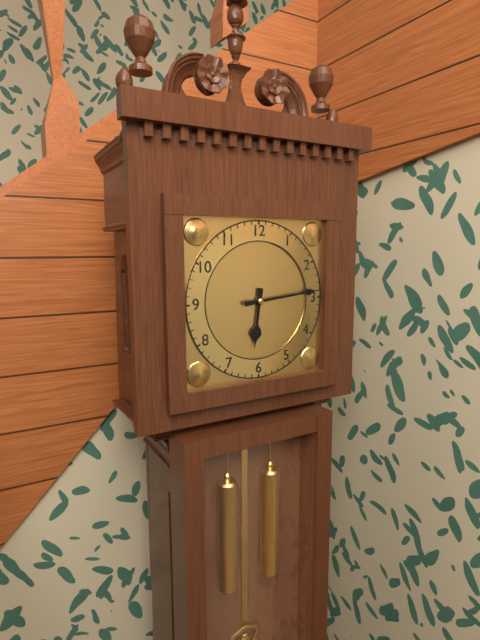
h=6 m=14
